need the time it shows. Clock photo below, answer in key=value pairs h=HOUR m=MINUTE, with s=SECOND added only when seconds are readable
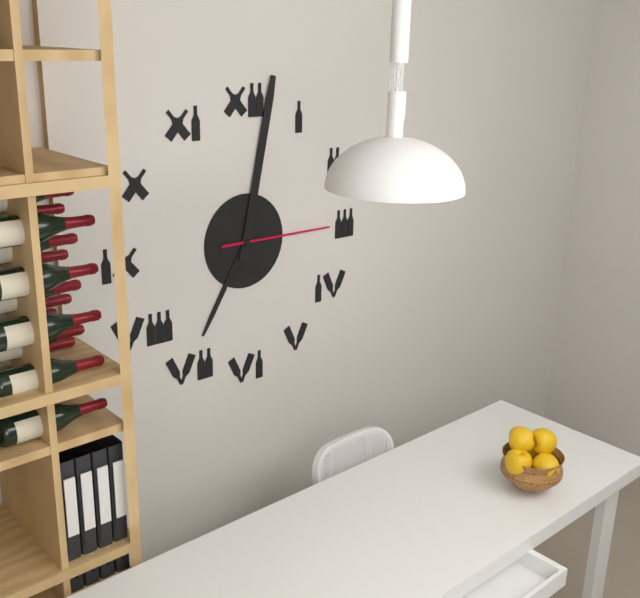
h=7 m=2 s=15
